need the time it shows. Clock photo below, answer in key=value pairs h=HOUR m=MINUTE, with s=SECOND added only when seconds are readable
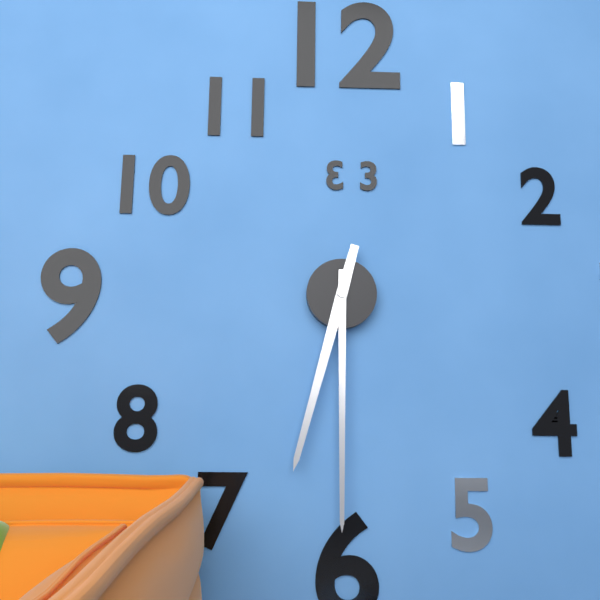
h=6 m=30
